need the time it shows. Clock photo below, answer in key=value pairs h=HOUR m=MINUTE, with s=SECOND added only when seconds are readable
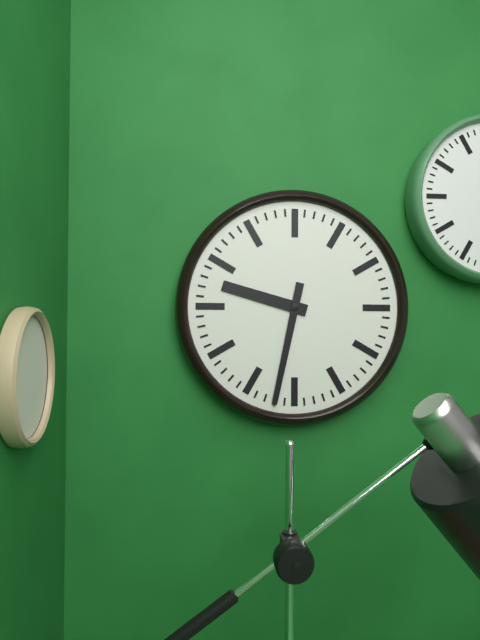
h=9 m=32
